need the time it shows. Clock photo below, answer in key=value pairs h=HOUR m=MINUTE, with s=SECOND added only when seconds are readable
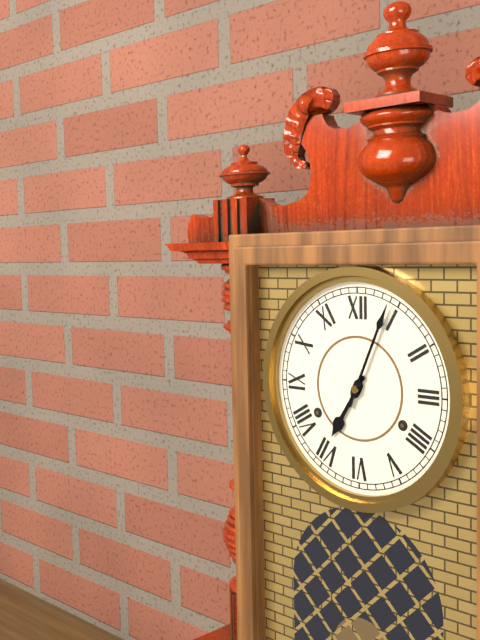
h=7 m=4
